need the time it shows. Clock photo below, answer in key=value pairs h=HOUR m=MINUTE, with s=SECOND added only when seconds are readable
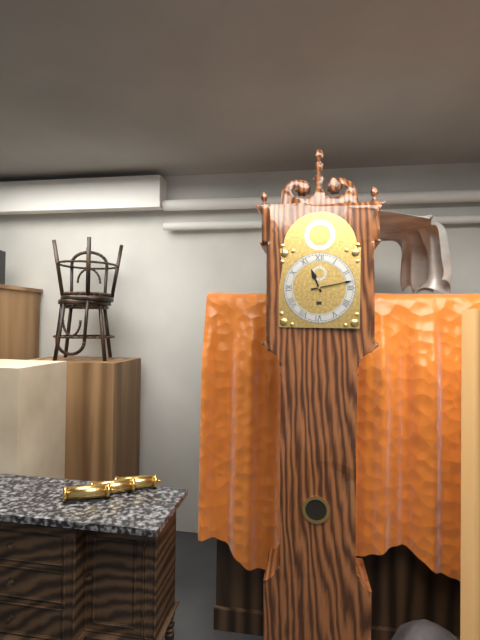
h=11 m=13
